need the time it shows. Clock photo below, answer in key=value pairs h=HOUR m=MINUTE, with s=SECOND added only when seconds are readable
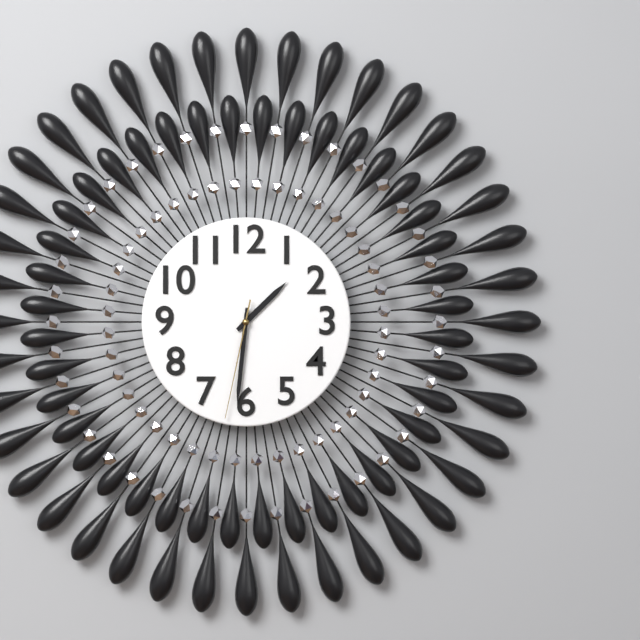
h=1 m=31 s=32
